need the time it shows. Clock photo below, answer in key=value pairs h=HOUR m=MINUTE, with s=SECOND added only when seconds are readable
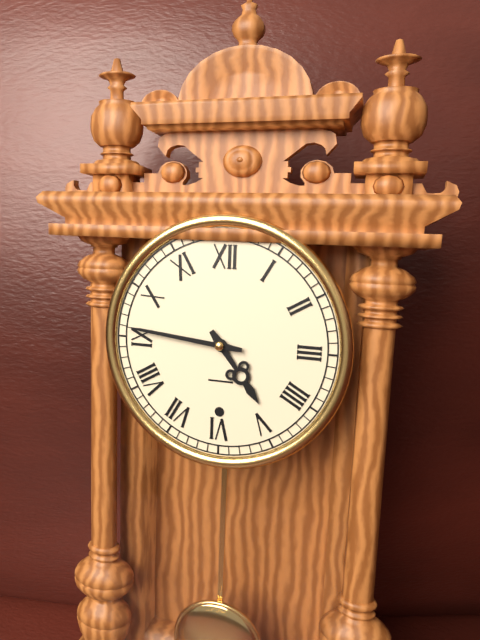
h=4 m=46
